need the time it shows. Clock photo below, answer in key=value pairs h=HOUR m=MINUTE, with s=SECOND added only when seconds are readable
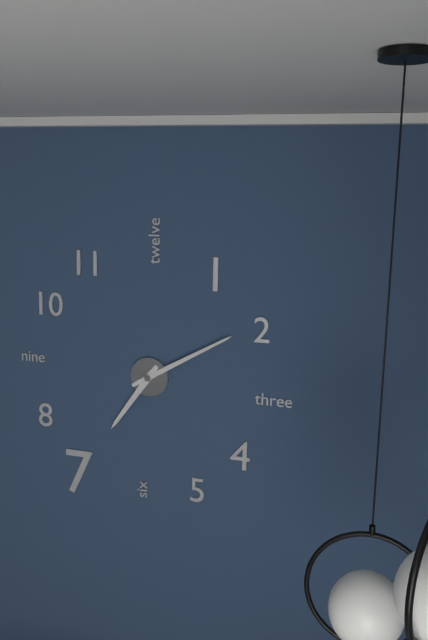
h=7 m=10
